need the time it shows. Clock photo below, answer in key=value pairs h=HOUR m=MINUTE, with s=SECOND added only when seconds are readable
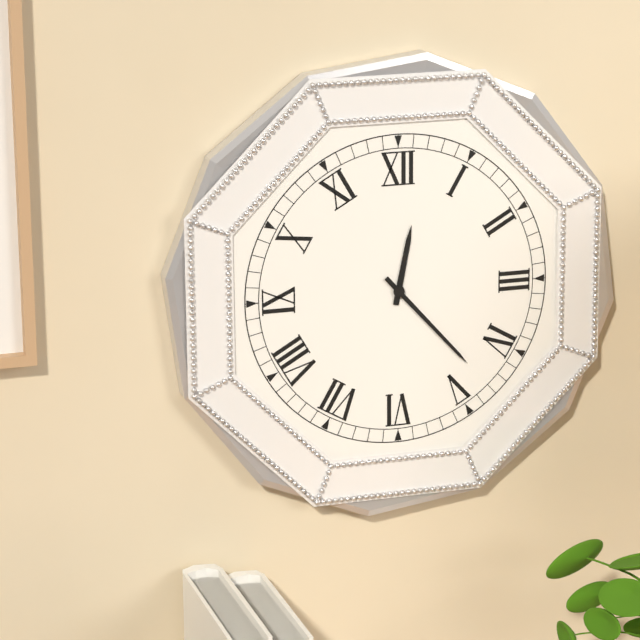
h=12 m=23
